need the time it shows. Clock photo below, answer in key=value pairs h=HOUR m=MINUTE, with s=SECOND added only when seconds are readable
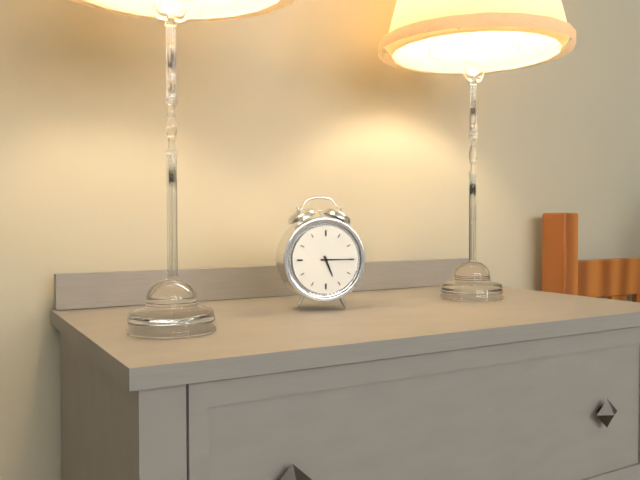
h=5 m=15
